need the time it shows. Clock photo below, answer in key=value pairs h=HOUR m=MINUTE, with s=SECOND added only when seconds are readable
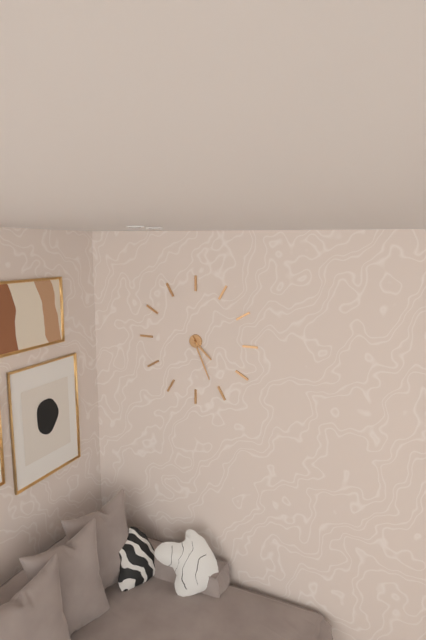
h=4 m=26
